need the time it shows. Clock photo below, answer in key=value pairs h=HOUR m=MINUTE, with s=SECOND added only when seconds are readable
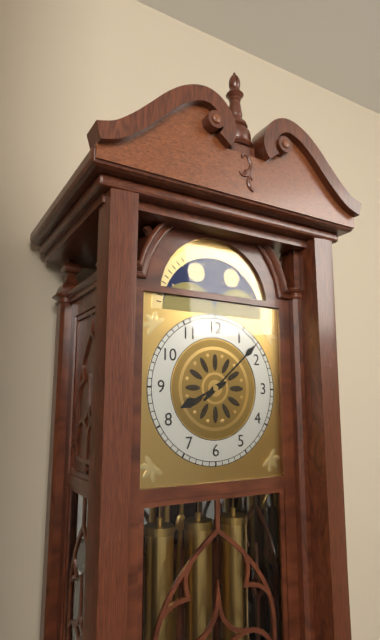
h=8 m=8
